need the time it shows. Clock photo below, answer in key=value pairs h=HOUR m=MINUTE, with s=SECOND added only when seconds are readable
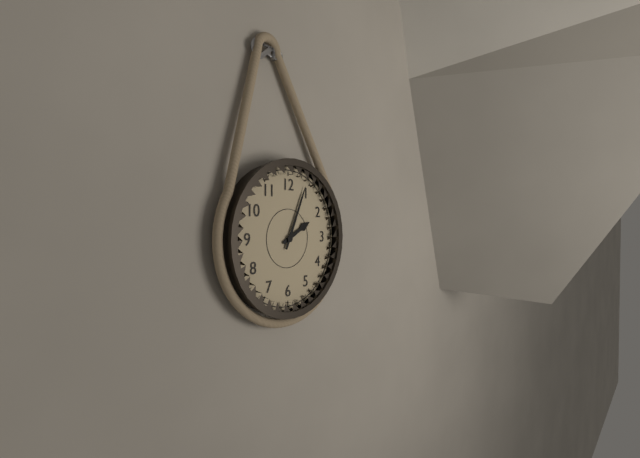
h=2 m=4
